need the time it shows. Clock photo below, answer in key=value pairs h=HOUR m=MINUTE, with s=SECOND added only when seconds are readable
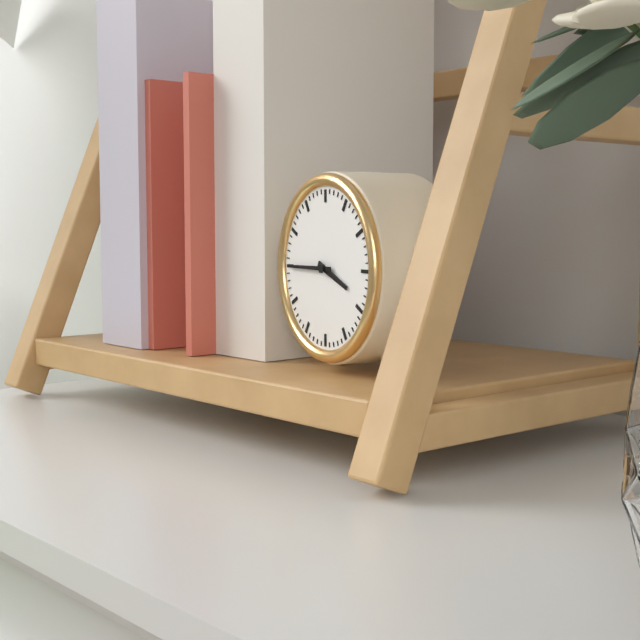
h=3 m=45
